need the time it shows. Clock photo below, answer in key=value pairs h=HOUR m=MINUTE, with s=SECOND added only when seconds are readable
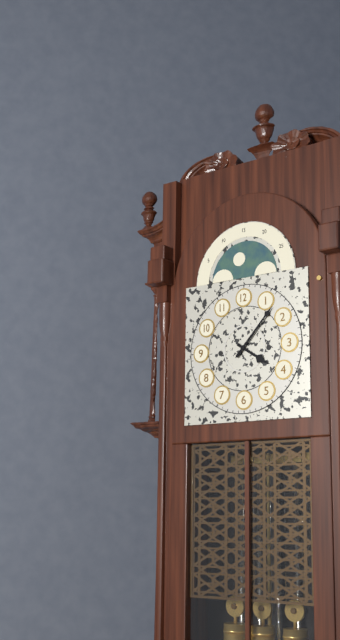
h=4 m=7
